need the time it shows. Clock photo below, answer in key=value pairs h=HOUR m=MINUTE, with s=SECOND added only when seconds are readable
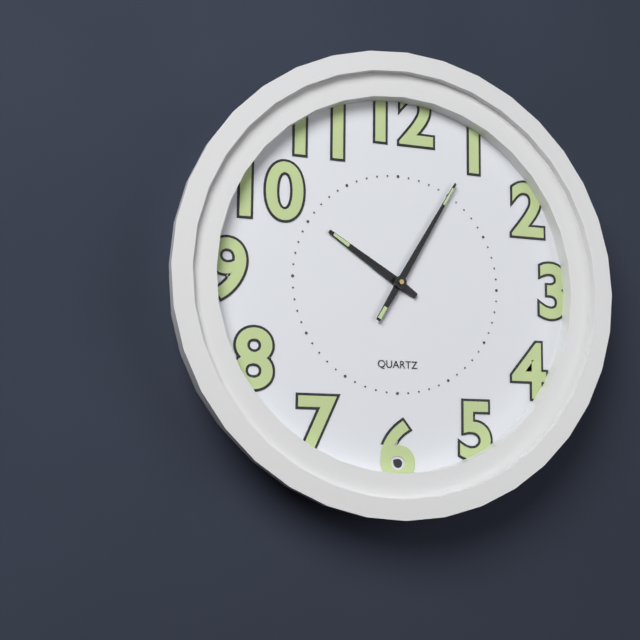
h=10 m=5
